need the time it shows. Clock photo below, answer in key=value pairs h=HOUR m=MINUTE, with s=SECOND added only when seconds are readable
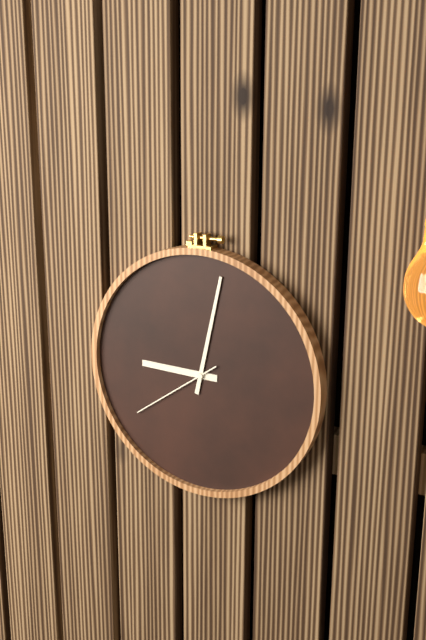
h=9 m=2 s=39
